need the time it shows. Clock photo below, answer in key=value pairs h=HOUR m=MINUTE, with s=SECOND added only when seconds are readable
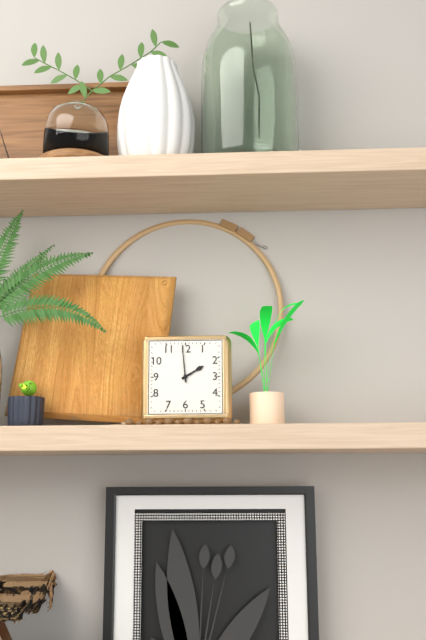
h=1 m=59
